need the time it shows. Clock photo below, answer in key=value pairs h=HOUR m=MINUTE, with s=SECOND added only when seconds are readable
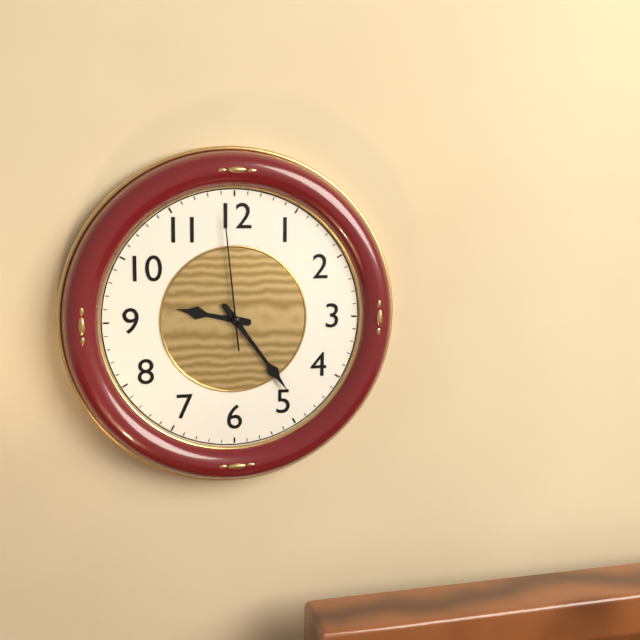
h=9 m=24 s=59
